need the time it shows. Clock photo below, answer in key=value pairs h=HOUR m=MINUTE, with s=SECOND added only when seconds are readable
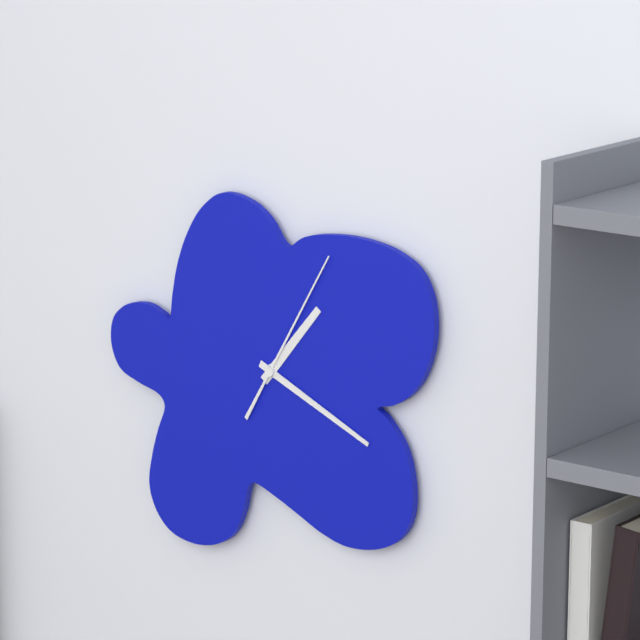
h=1 m=19 s=5
